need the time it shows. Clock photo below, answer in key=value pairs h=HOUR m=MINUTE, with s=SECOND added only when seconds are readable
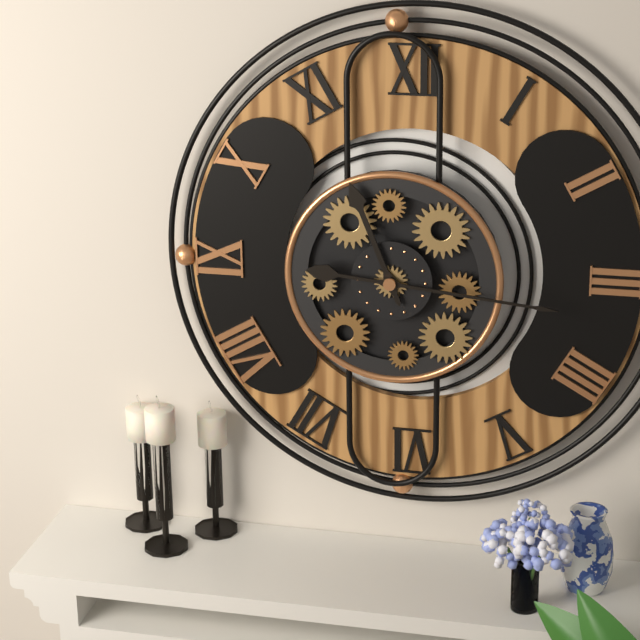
h=11 m=16
